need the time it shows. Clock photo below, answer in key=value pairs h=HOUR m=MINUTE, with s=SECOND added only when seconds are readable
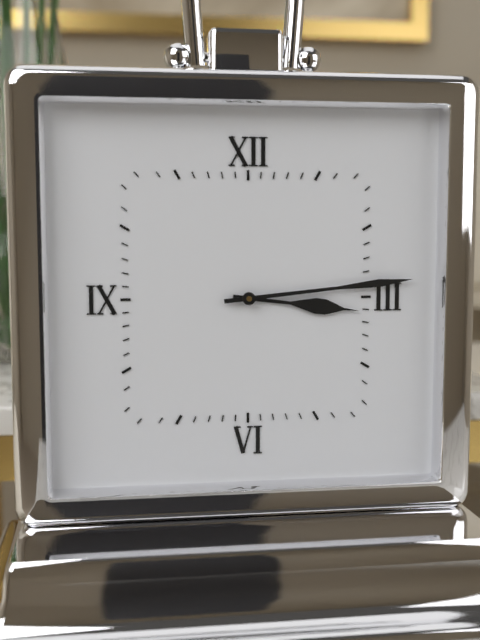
h=3 m=14
